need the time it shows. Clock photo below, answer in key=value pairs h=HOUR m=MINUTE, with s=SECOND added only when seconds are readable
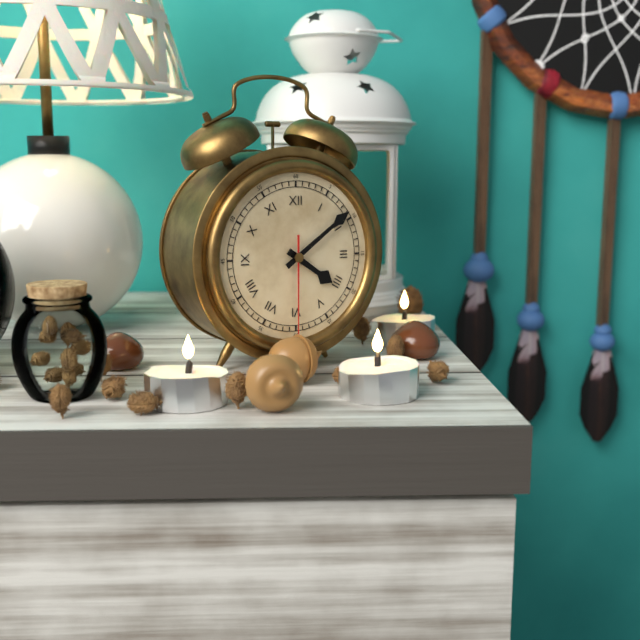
h=4 m=9 s=30
